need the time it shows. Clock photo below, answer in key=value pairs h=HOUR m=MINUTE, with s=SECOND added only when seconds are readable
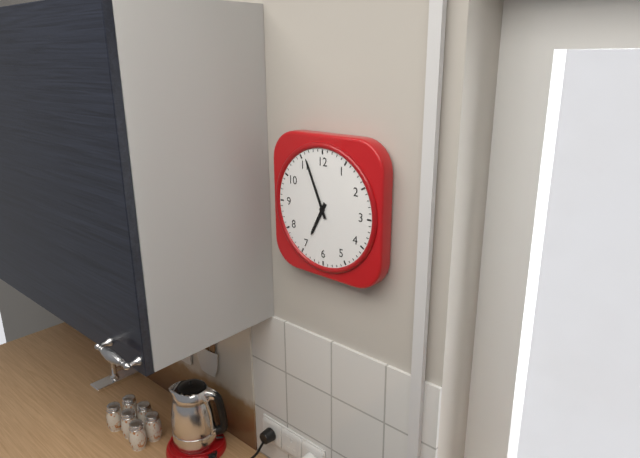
h=6 m=56
